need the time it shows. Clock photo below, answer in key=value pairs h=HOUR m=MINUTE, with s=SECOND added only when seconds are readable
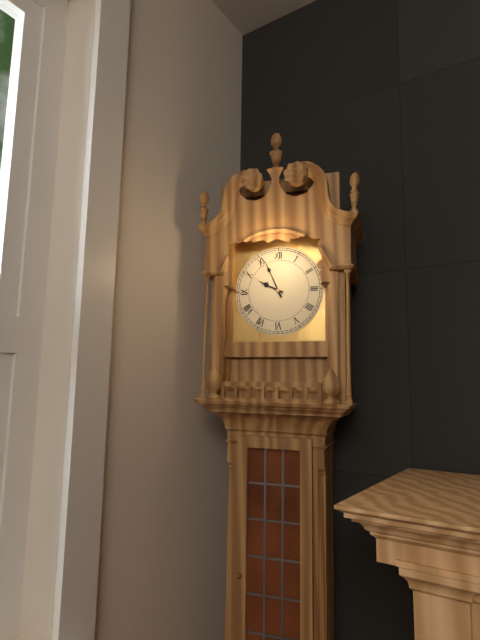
h=9 m=56
